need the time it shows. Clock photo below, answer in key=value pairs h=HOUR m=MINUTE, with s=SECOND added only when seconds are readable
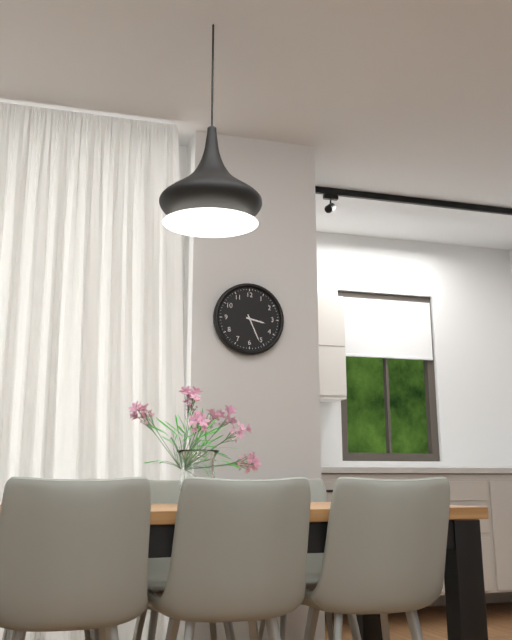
h=3 m=26
